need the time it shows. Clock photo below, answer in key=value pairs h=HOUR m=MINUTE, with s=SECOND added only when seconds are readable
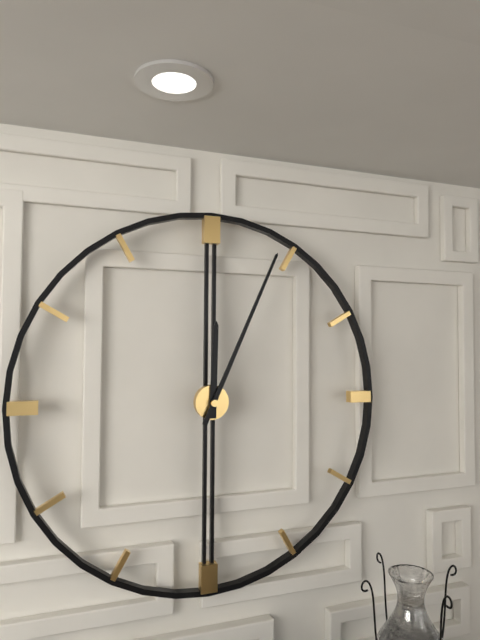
h=12 m=4
